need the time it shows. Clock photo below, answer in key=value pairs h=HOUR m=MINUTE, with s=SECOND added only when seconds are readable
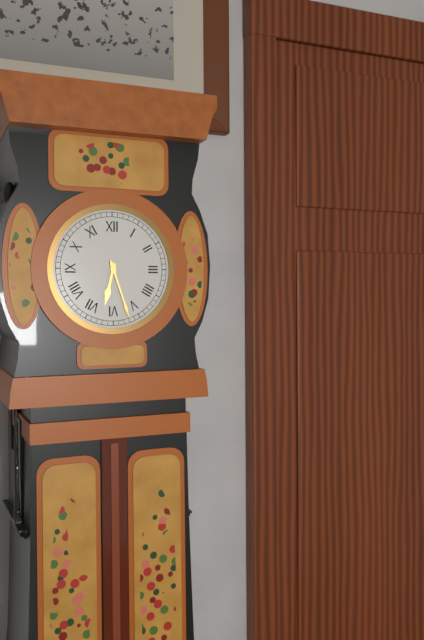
h=6 m=27
